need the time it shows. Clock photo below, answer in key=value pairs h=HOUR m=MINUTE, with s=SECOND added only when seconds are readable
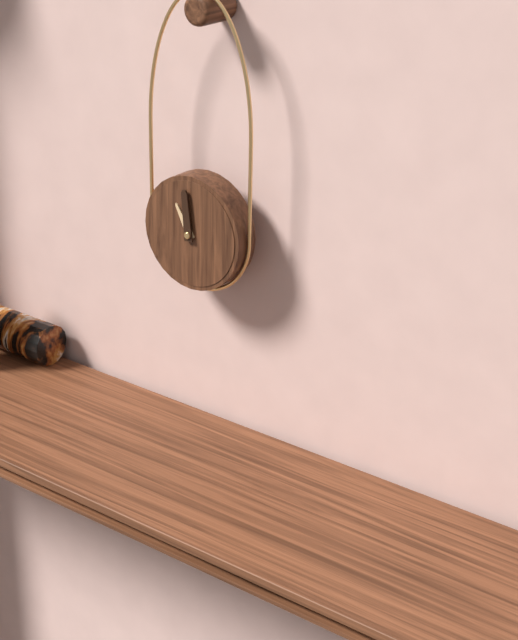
h=10 m=59
